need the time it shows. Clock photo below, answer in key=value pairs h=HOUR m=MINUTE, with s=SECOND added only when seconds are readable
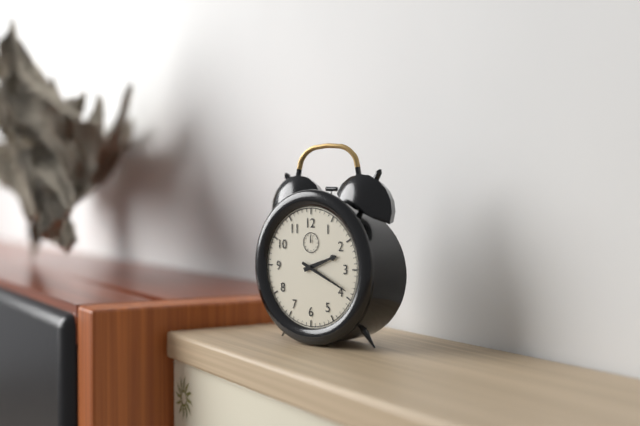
h=2 m=19
